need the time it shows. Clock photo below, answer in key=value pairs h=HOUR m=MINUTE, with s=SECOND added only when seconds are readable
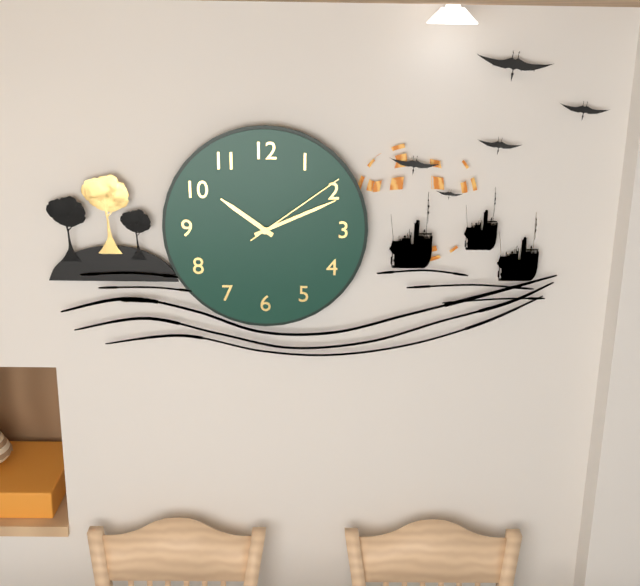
h=10 m=11 s=9
